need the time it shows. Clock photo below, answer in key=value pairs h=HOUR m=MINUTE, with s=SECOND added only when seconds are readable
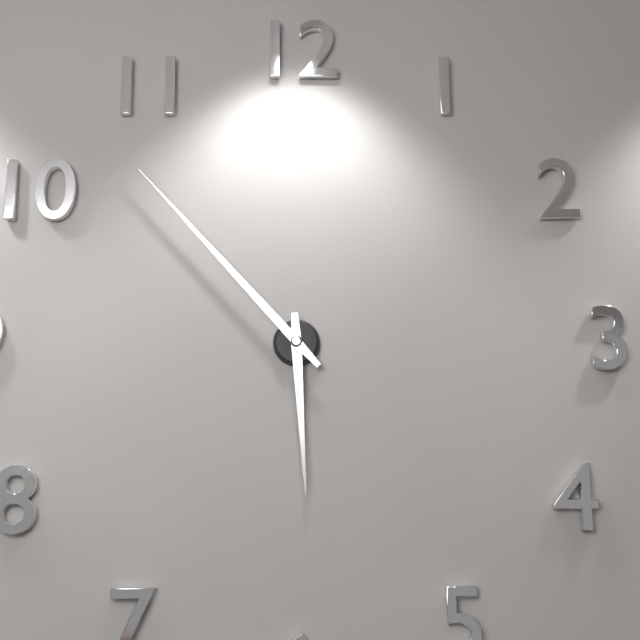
h=5 m=53
